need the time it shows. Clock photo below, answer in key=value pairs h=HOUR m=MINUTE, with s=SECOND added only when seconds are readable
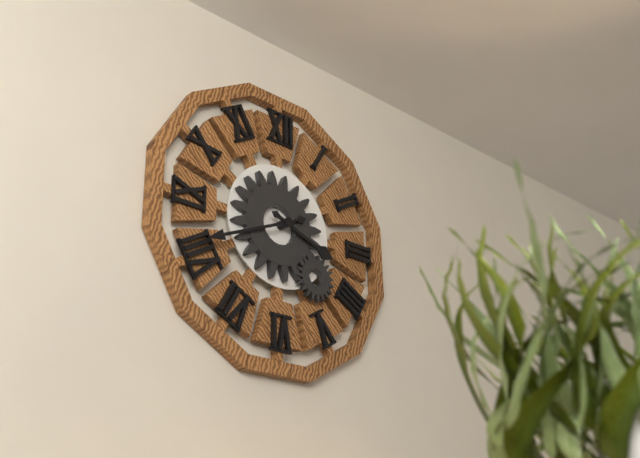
h=3 m=41
